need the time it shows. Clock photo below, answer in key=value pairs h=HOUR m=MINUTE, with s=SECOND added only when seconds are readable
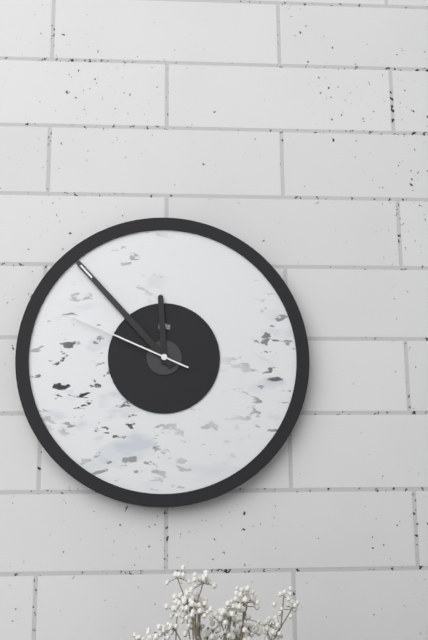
h=11 m=53 s=49
